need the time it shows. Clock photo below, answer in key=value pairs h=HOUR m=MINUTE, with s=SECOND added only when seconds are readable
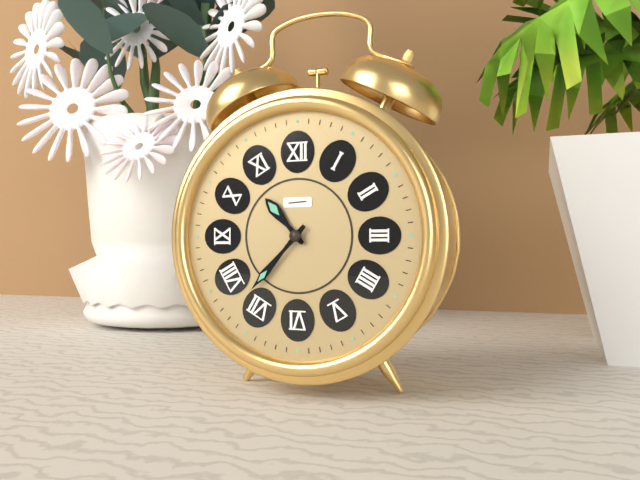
h=10 m=37
